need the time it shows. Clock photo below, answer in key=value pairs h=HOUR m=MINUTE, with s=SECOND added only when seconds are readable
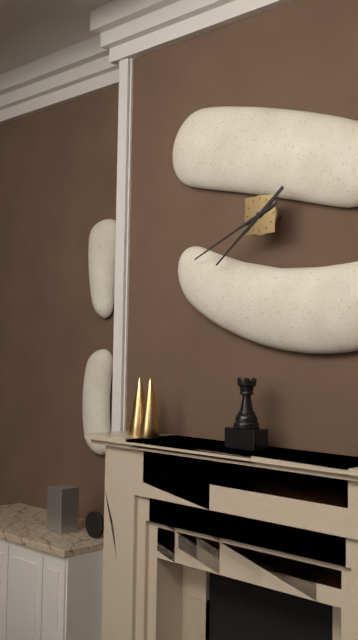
h=7 m=41
